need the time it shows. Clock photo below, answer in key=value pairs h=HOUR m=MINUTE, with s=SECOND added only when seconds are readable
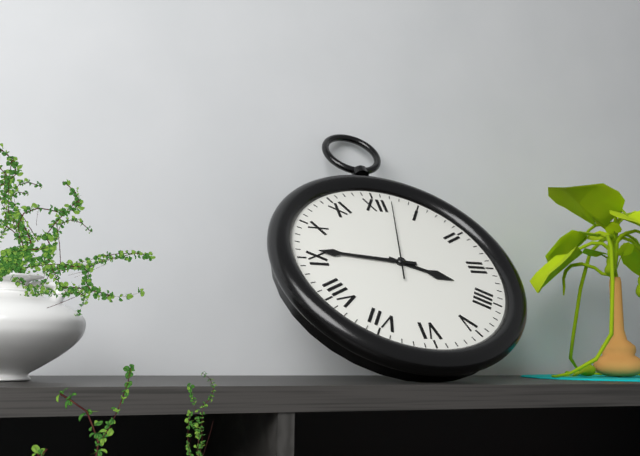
h=3 m=46 s=2
